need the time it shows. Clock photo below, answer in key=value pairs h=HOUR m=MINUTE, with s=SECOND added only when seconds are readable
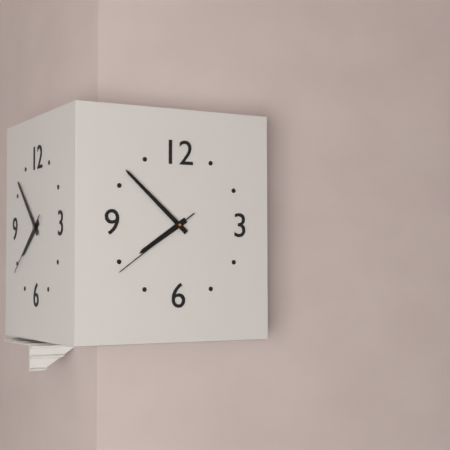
h=7 m=52 s=39
